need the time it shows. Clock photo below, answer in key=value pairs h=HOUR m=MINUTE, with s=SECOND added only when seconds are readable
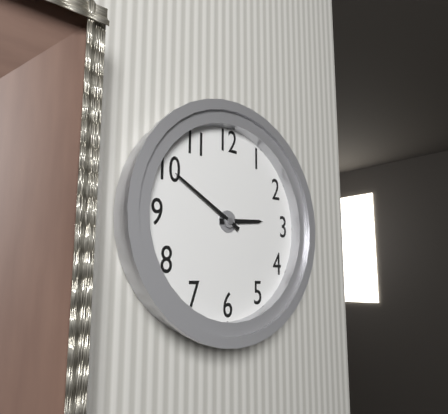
h=2 m=50
